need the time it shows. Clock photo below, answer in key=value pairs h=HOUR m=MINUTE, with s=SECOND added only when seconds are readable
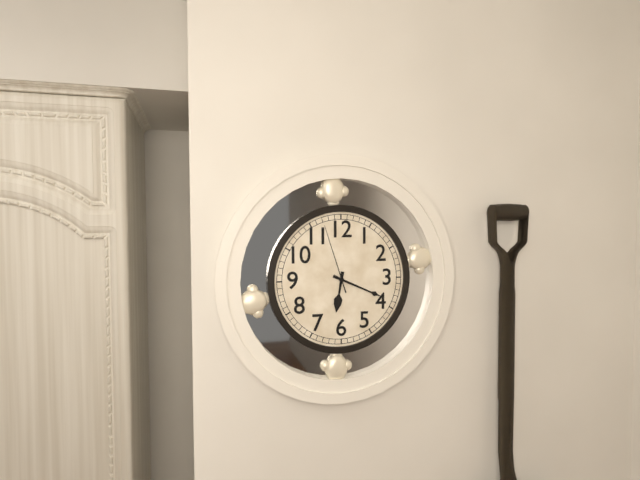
h=6 m=19 s=57
